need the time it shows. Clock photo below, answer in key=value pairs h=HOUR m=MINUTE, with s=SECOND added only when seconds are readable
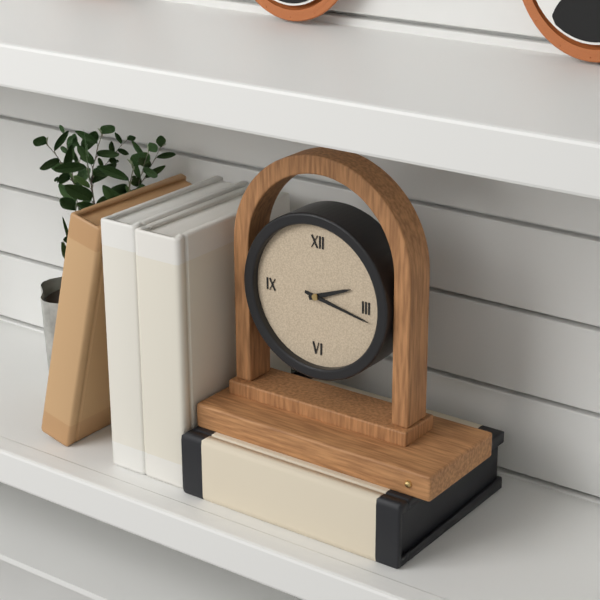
h=2 m=17
